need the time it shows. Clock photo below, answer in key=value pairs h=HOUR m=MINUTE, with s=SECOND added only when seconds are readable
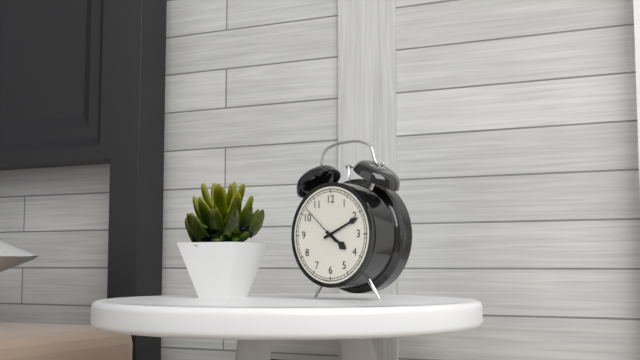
h=4 m=11
